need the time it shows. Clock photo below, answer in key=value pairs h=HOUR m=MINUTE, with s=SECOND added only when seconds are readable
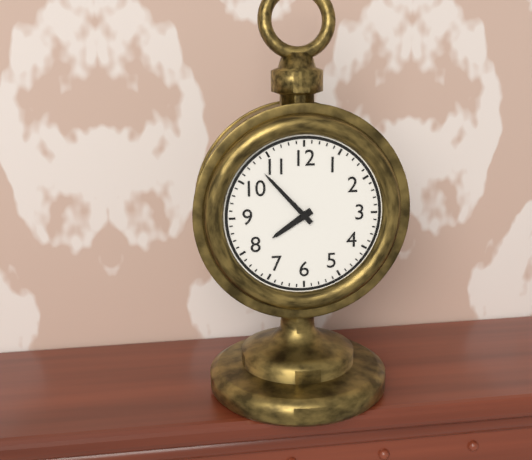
h=7 m=53
